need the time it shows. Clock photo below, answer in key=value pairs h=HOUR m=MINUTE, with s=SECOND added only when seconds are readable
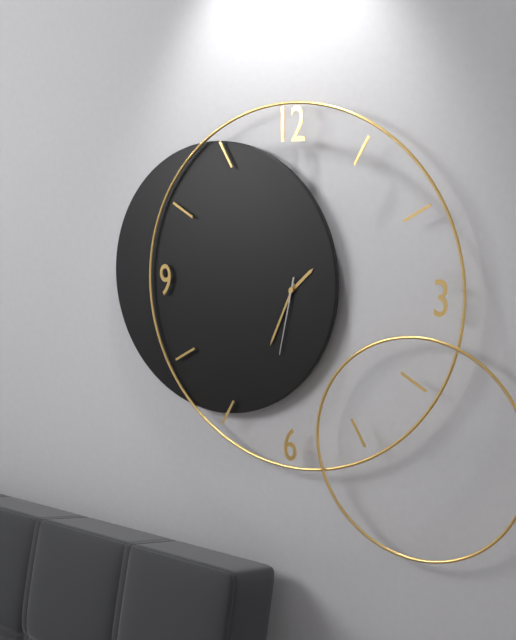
h=1 m=34 s=32
